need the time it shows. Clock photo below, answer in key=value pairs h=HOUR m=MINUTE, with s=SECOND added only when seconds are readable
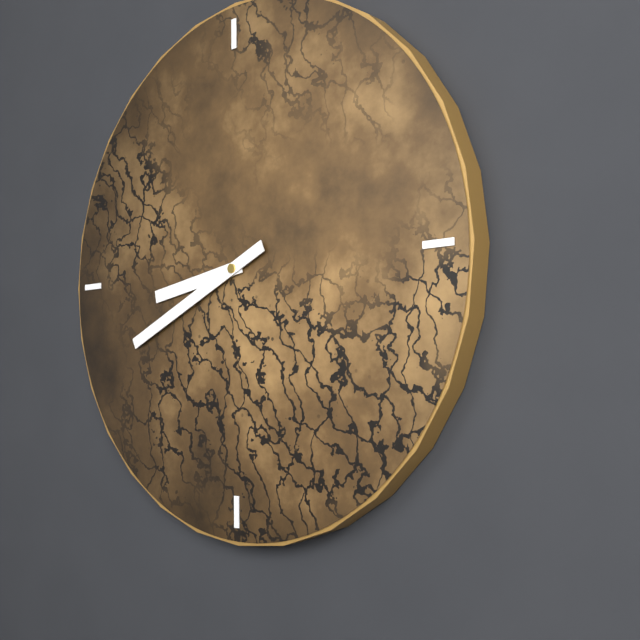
h=8 m=41
